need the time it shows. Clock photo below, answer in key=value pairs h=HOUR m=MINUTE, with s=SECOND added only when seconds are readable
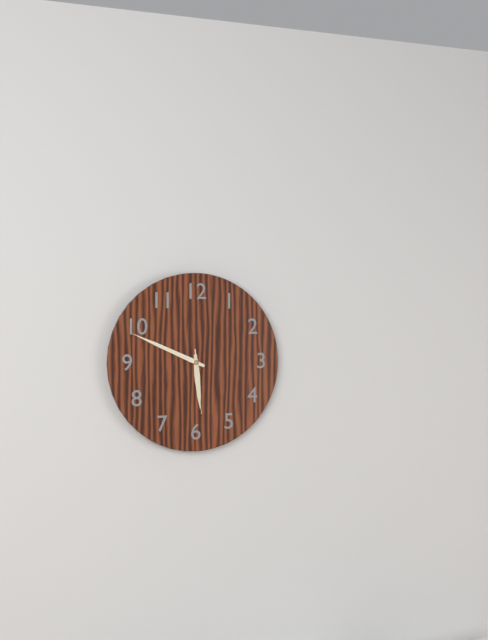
h=5 m=49 s=29
